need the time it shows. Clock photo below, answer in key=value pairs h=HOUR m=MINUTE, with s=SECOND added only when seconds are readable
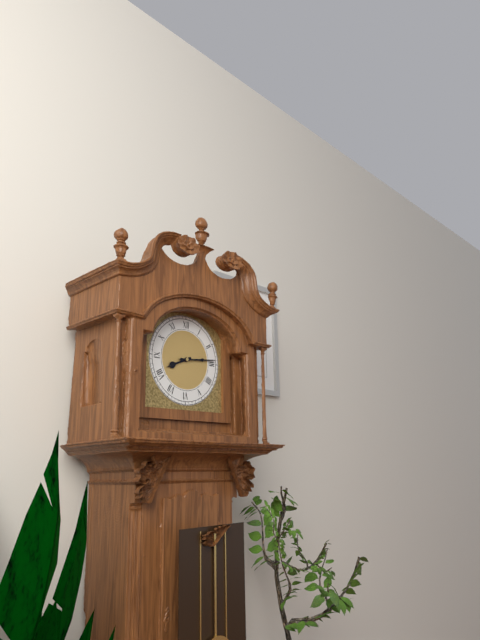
h=8 m=14
